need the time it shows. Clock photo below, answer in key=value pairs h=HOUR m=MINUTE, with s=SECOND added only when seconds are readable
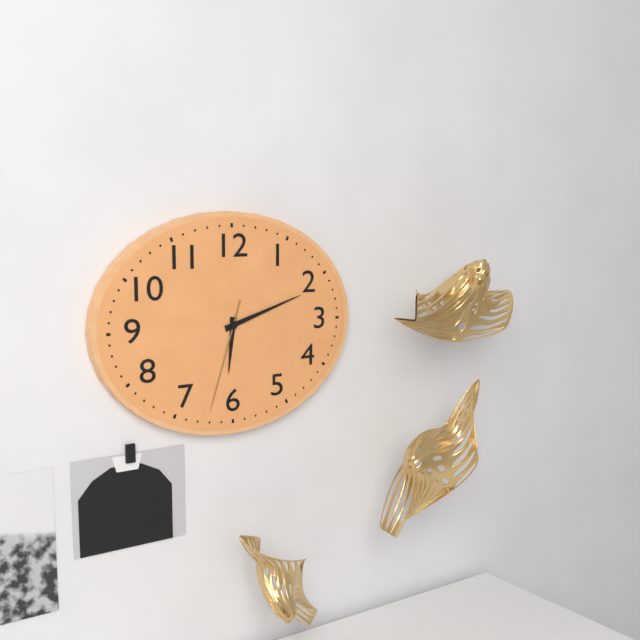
h=6 m=12 s=33
